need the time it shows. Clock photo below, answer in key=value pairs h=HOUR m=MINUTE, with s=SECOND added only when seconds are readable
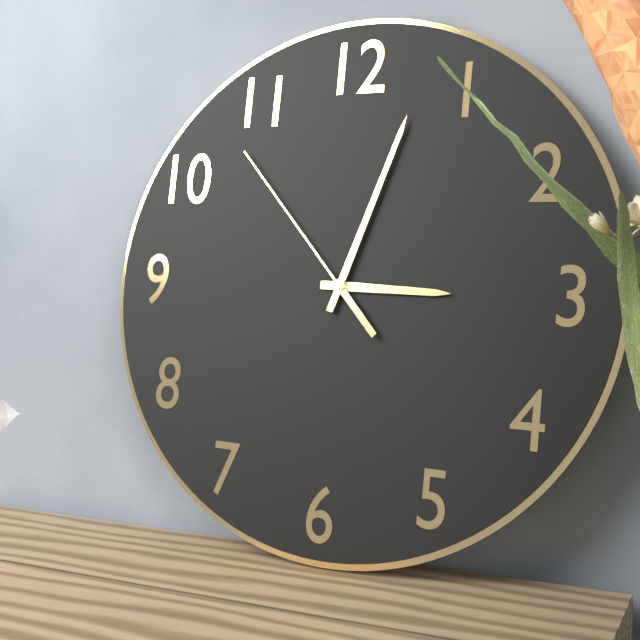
h=3 m=3 s=53
